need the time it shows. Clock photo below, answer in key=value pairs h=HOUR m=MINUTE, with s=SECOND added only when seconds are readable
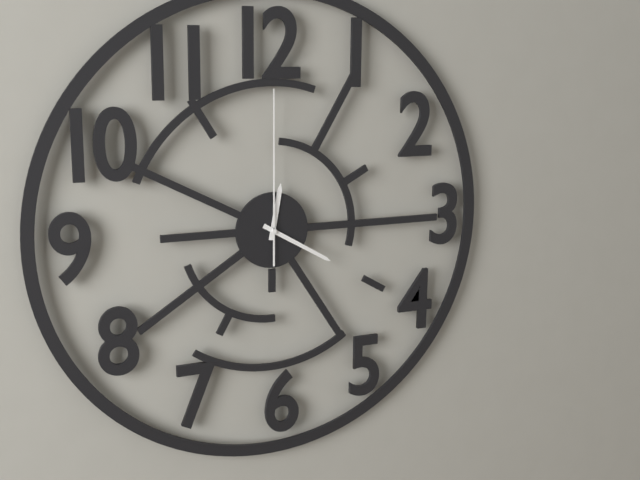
h=12 m=20 s=0
